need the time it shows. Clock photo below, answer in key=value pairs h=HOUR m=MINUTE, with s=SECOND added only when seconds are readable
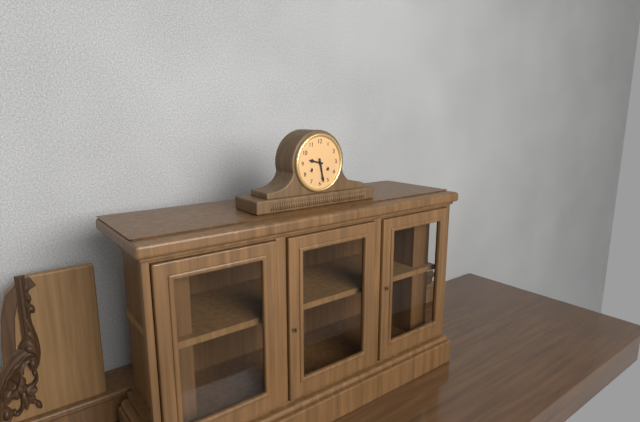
h=9 m=28
